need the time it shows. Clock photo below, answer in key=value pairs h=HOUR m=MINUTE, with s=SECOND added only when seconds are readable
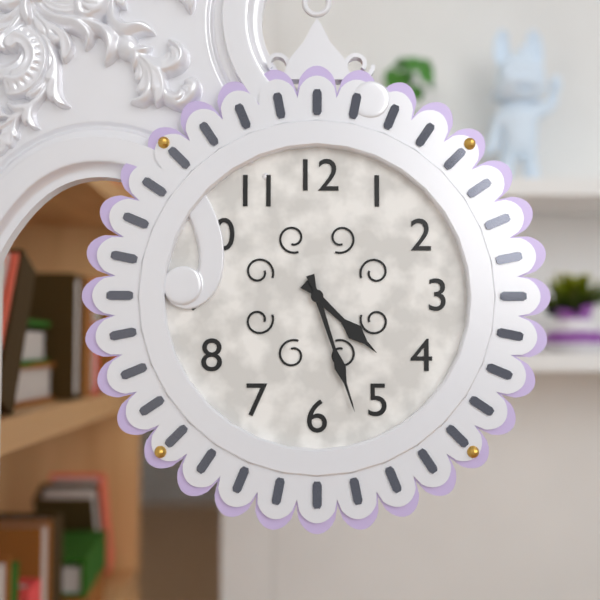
h=4 m=27
